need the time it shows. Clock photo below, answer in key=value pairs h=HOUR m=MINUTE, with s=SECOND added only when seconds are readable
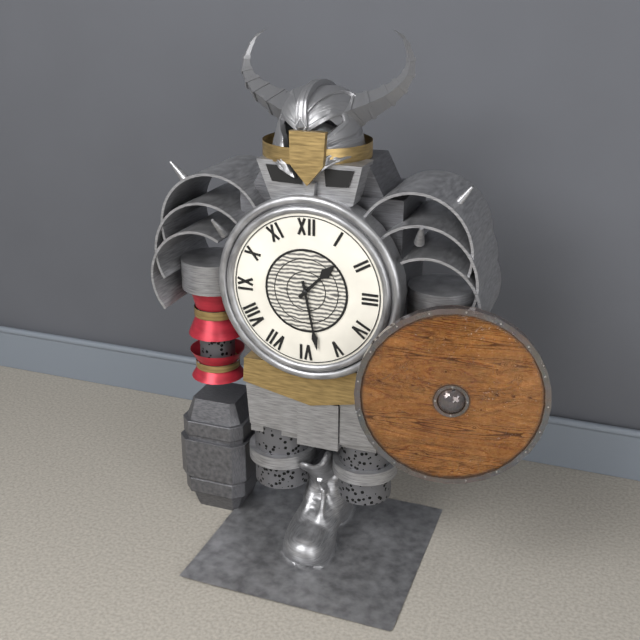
h=1 m=28
